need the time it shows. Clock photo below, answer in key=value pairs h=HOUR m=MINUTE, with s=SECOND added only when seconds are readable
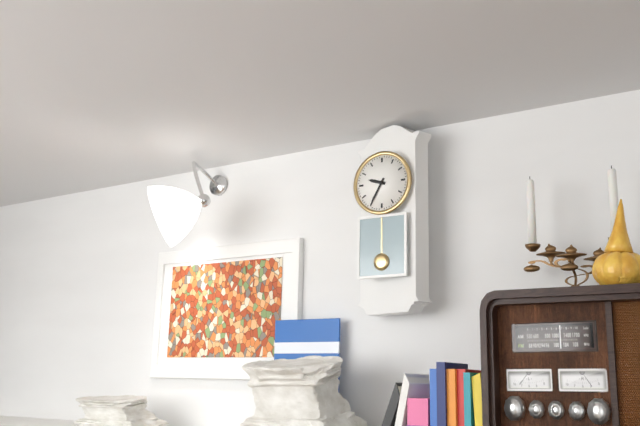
h=9 m=35
